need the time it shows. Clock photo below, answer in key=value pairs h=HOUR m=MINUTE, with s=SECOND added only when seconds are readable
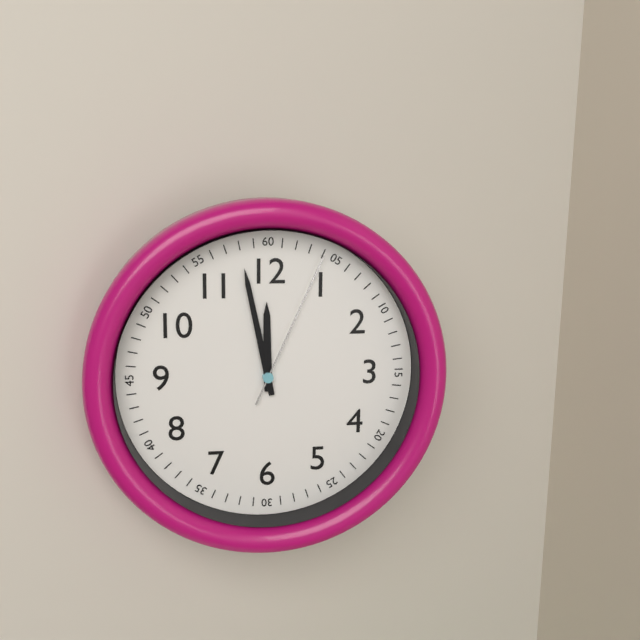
h=11 m=58 s=4
